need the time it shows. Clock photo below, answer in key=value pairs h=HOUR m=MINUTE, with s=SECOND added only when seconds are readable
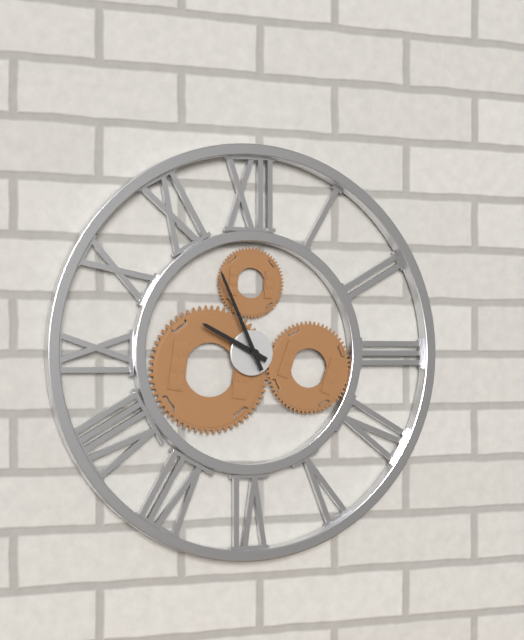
h=9 m=56
